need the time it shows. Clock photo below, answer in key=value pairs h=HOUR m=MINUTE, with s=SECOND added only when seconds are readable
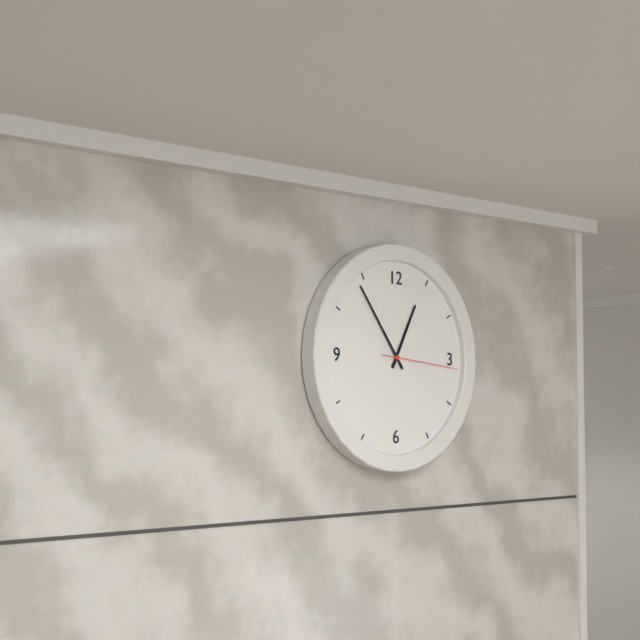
h=12 m=54 s=16
